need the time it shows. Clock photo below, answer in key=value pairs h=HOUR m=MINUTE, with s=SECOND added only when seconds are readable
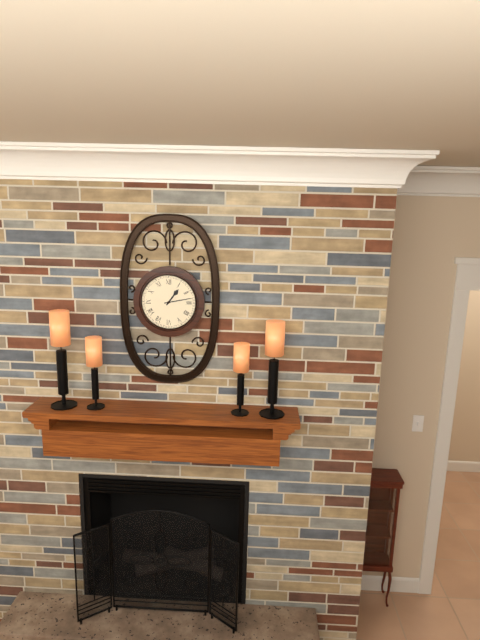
h=1 m=13
